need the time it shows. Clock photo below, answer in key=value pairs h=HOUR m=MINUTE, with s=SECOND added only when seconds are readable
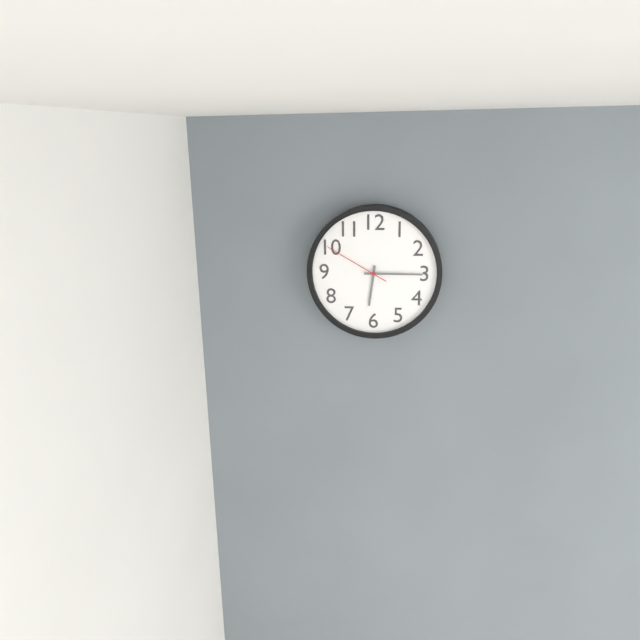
h=6 m=15 s=50
